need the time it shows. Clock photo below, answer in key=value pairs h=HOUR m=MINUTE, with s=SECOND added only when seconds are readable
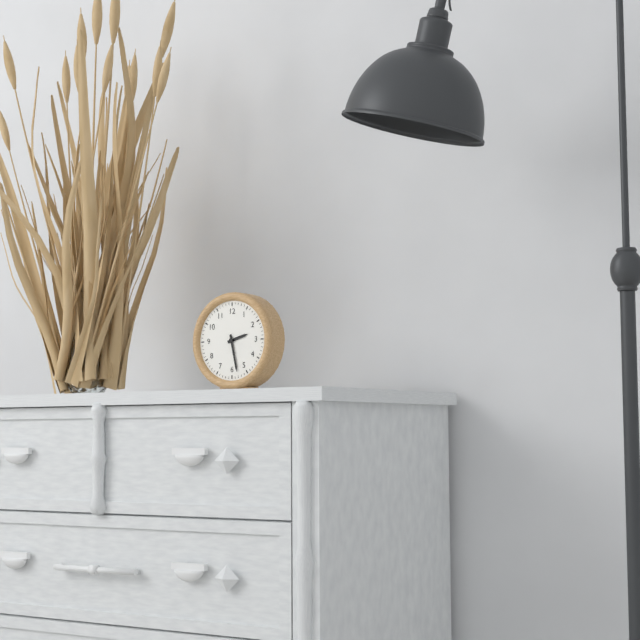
h=2 m=28
